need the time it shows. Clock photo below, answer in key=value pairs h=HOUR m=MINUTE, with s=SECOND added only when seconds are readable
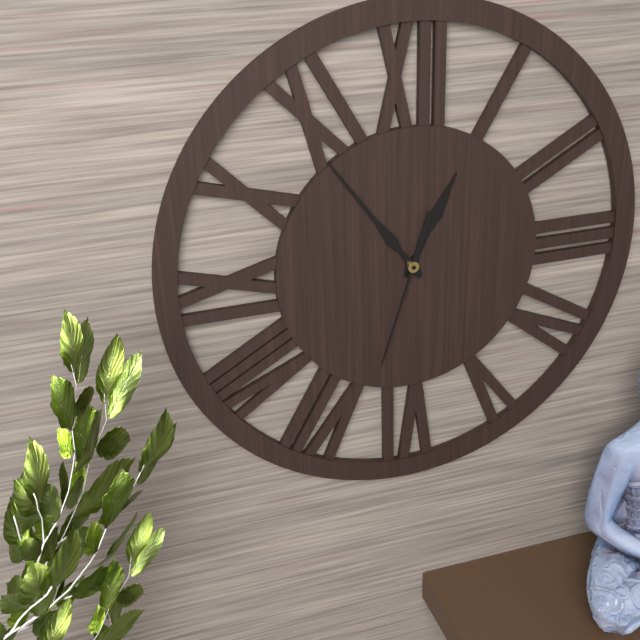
h=12 m=54 s=33
